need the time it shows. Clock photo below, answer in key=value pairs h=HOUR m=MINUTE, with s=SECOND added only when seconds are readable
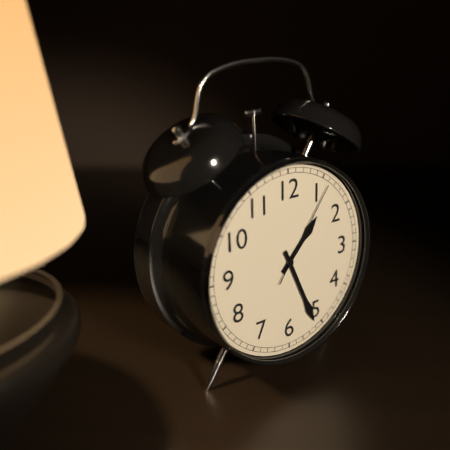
h=1 m=26 s=6
